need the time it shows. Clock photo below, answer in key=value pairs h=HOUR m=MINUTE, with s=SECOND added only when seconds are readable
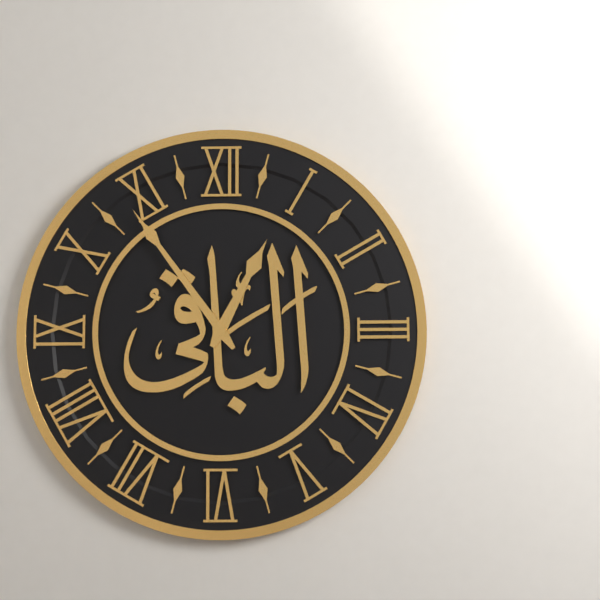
h=12 m=54
